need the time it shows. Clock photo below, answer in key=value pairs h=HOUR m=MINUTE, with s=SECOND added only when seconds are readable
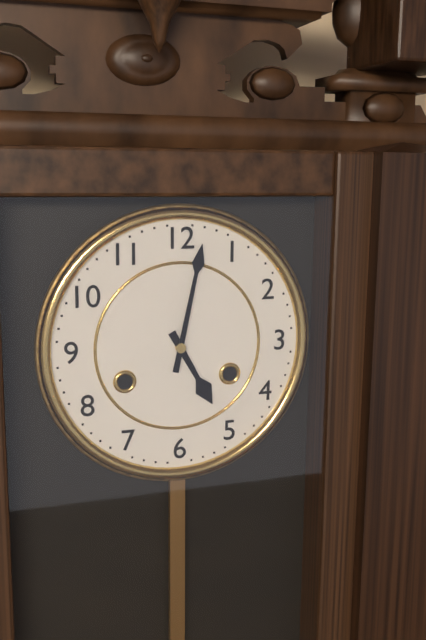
h=5 m=2
